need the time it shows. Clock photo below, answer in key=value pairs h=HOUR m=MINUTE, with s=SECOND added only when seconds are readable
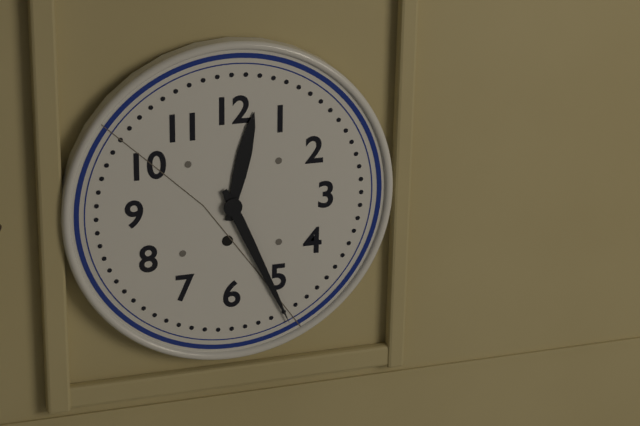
h=12 m=26
